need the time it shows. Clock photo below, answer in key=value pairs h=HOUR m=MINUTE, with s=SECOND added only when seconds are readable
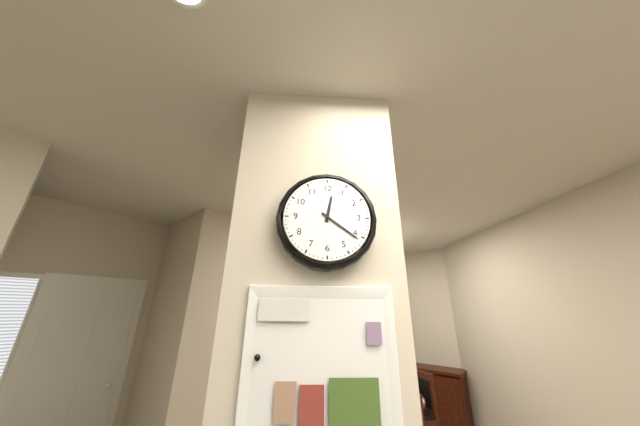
h=12 m=21
